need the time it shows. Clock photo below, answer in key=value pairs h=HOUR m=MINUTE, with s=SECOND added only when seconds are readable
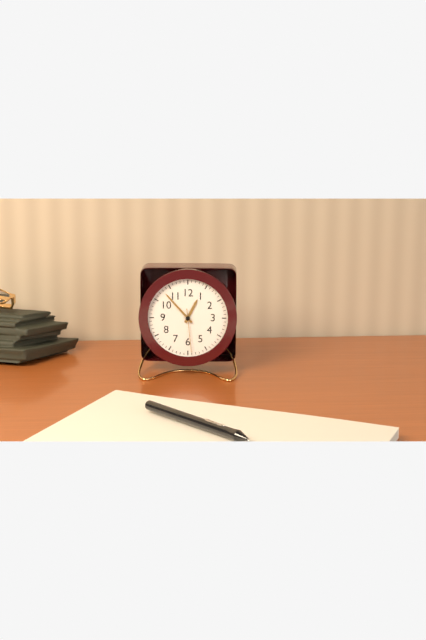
h=12 m=53
